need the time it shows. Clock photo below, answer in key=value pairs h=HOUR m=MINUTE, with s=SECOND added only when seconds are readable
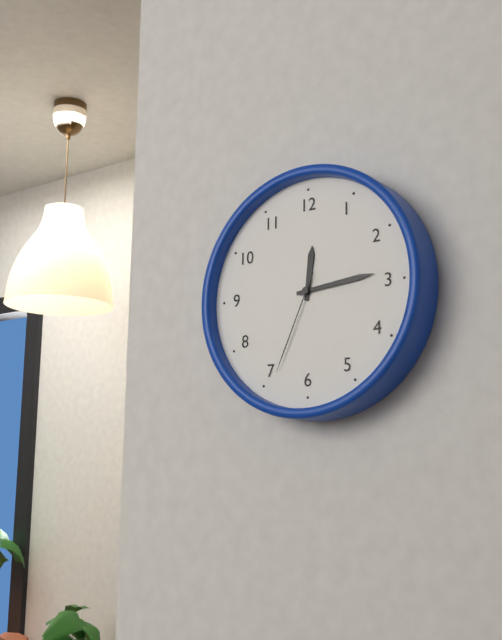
h=12 m=14 s=34
